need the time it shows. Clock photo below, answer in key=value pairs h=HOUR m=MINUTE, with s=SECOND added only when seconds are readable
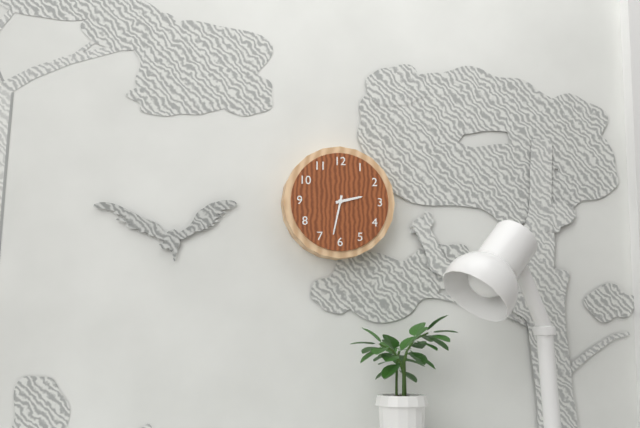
h=2 m=32
